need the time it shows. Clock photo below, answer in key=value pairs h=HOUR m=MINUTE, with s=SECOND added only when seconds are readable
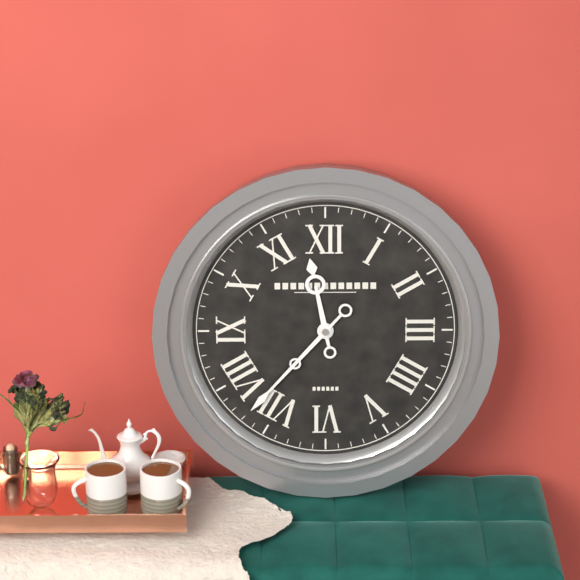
h=11 m=37
